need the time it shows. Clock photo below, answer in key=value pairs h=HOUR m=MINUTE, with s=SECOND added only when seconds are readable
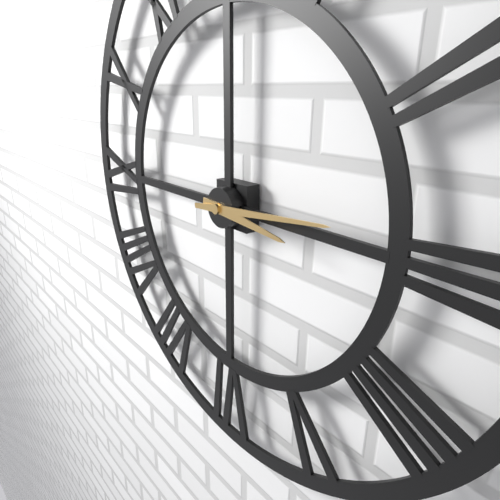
h=3 m=14
